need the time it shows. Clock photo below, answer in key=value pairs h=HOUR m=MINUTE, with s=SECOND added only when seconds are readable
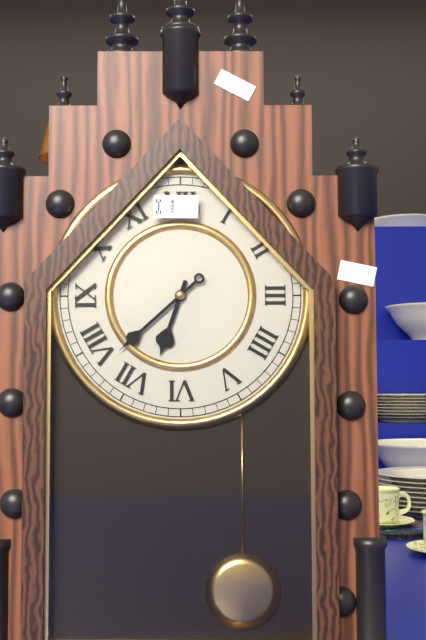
h=6 m=38
